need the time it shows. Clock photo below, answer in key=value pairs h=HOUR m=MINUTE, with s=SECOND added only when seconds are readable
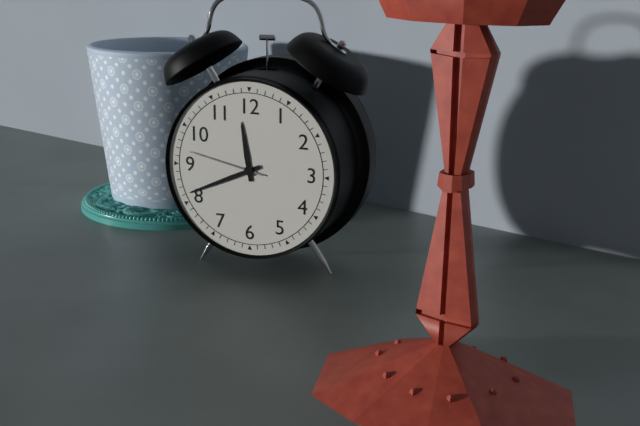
h=11 m=41 s=47
